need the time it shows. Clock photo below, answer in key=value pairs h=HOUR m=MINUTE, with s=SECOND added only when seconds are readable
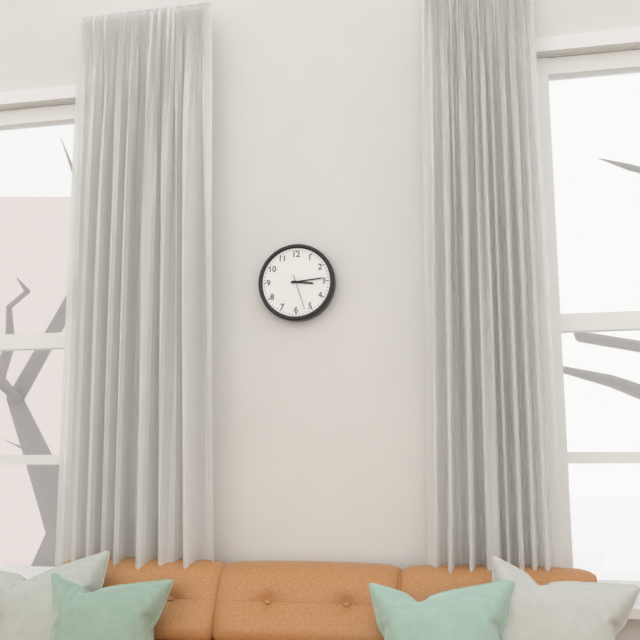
h=3 m=14
